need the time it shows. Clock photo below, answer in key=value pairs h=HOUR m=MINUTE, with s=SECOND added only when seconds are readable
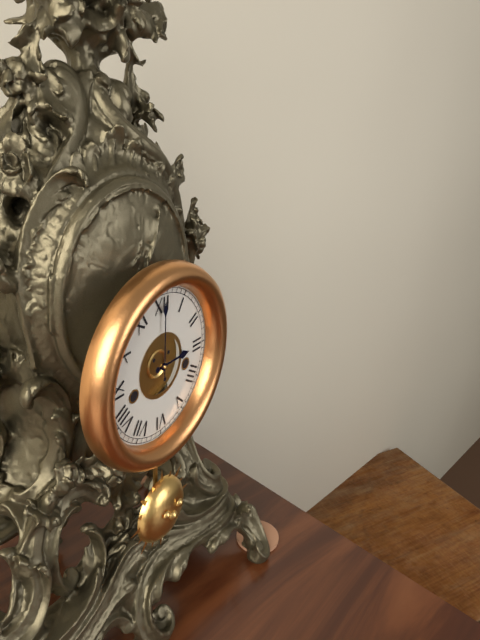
h=3 m=0
